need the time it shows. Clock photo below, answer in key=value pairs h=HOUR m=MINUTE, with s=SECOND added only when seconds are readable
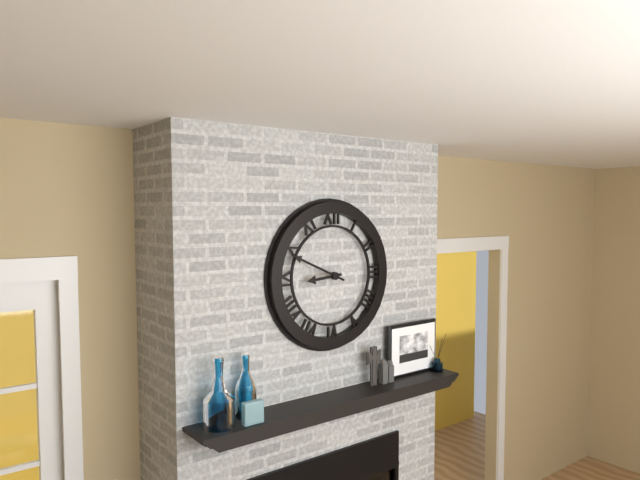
h=8 m=49
